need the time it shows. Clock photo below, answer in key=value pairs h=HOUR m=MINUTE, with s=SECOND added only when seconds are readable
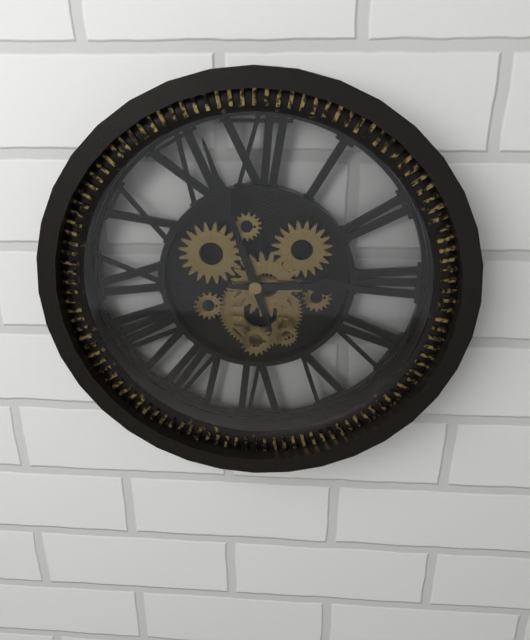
h=2 m=57
